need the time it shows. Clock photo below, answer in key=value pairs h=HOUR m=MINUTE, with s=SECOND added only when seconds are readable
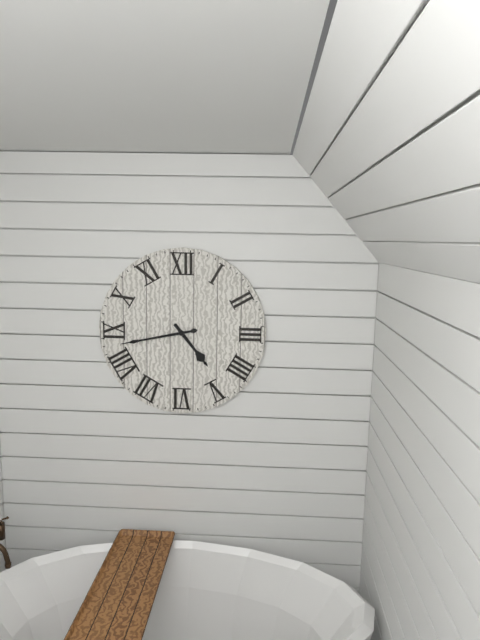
h=4 m=43
